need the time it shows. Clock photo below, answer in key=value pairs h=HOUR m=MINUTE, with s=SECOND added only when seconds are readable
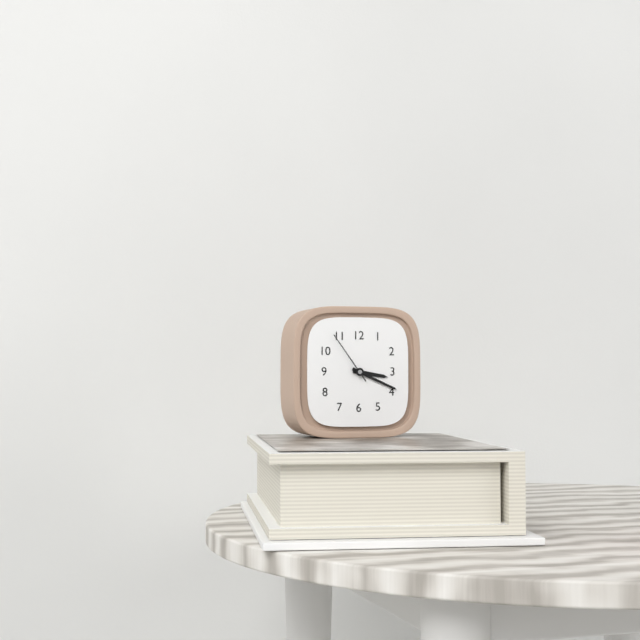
h=3 m=19 s=54
